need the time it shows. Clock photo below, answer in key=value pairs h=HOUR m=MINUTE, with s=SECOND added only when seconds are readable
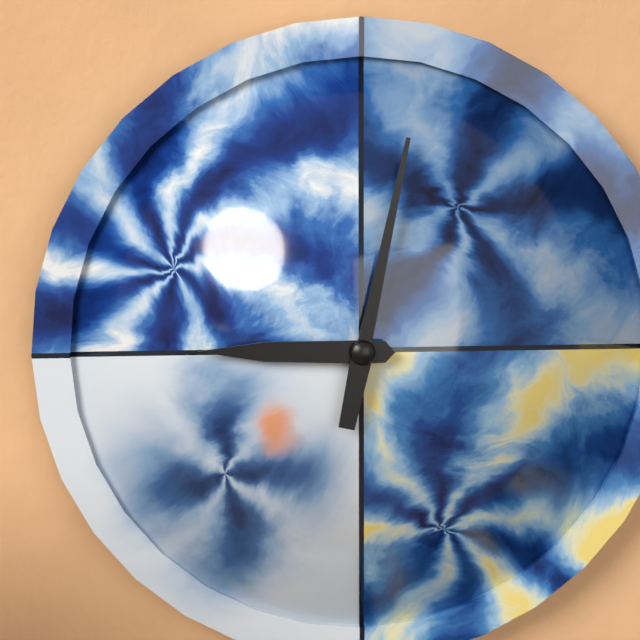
h=9 m=2
